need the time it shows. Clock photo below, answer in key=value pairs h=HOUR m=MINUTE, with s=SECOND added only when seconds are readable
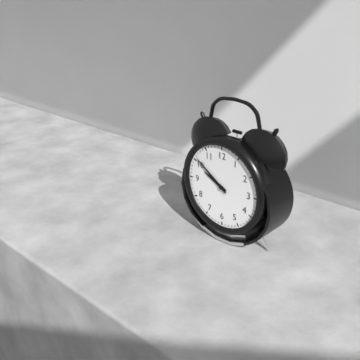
h=9 m=51
